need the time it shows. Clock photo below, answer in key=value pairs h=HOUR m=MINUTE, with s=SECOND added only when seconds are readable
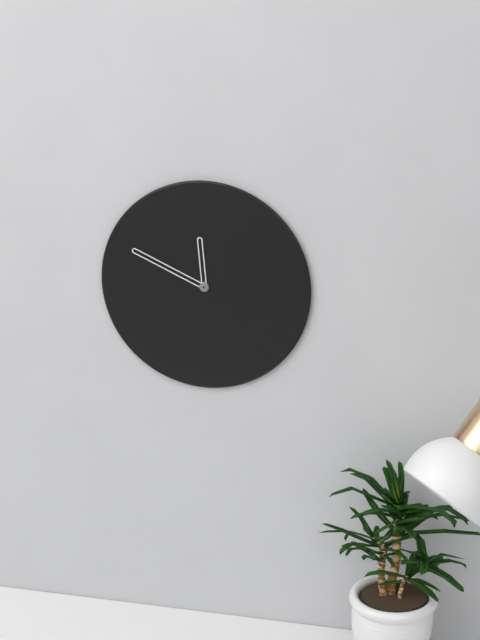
h=11 m=49
